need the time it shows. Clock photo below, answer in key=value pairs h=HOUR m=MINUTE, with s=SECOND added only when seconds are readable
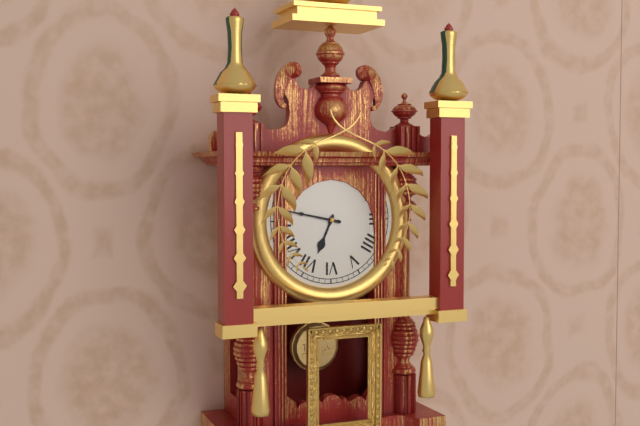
h=6 m=47
